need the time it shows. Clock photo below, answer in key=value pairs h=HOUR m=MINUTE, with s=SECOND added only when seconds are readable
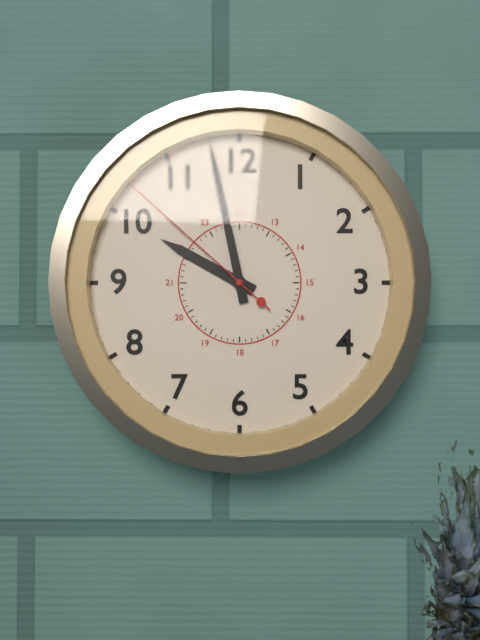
h=9 m=58 s=52
